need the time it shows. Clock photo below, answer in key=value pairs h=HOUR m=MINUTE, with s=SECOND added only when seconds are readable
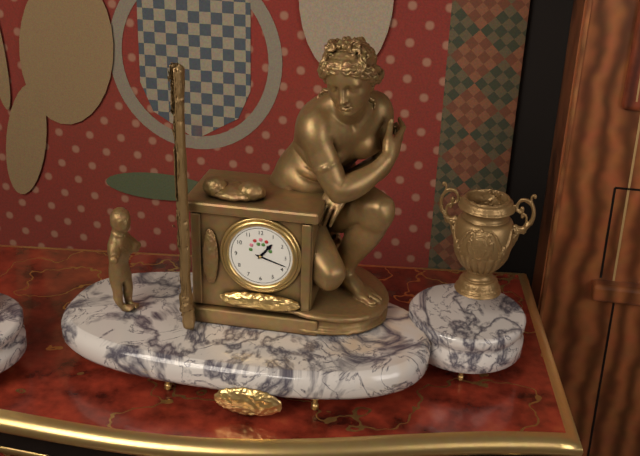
h=1 m=18
